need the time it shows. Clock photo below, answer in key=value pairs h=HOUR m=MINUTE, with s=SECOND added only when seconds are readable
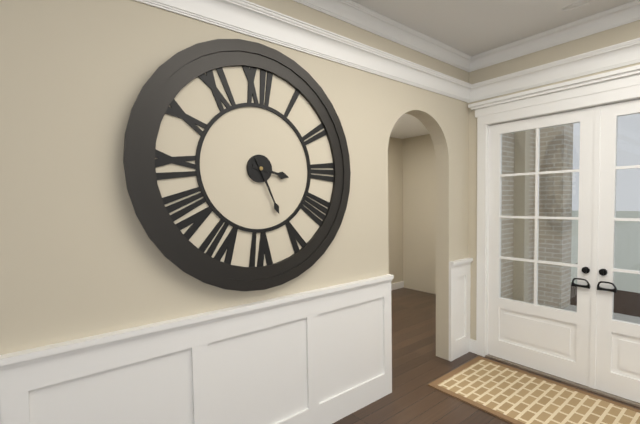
h=3 m=26
